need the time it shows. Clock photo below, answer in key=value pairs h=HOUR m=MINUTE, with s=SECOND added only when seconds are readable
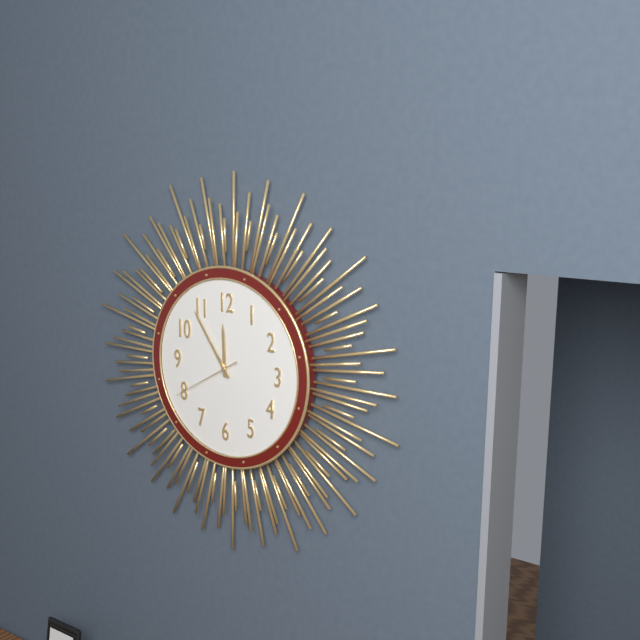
h=11 m=54 s=40
